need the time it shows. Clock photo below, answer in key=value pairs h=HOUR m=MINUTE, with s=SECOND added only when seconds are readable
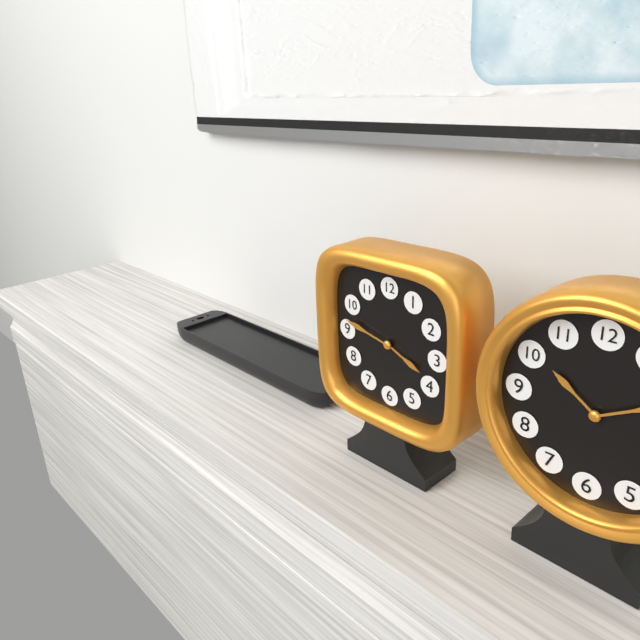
h=3 m=47
